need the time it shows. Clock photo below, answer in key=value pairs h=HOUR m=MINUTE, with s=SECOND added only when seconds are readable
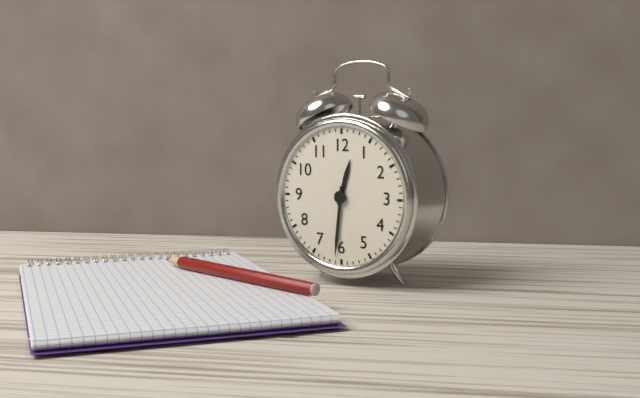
h=12 m=31
